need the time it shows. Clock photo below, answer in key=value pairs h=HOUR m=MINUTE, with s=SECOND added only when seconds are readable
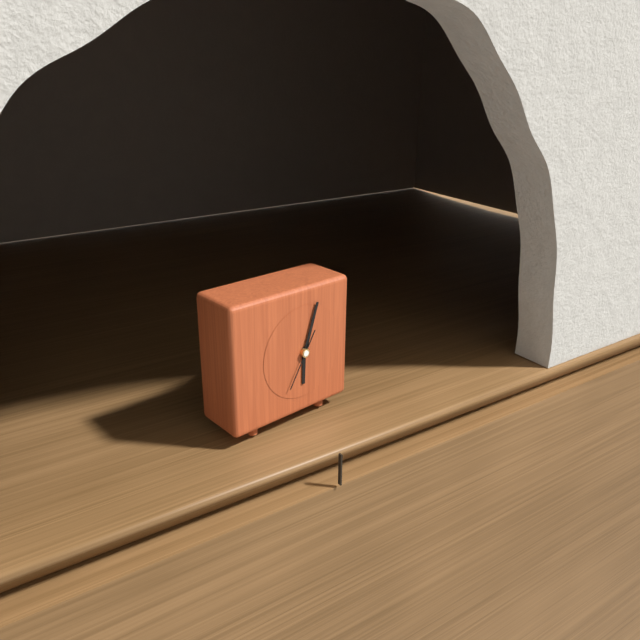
h=6 m=3
